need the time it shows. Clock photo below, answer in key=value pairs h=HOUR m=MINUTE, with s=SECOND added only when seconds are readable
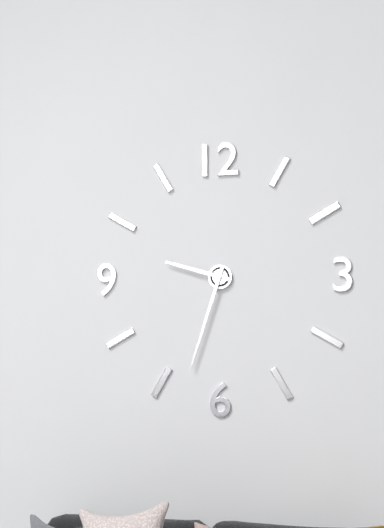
h=9 m=33
